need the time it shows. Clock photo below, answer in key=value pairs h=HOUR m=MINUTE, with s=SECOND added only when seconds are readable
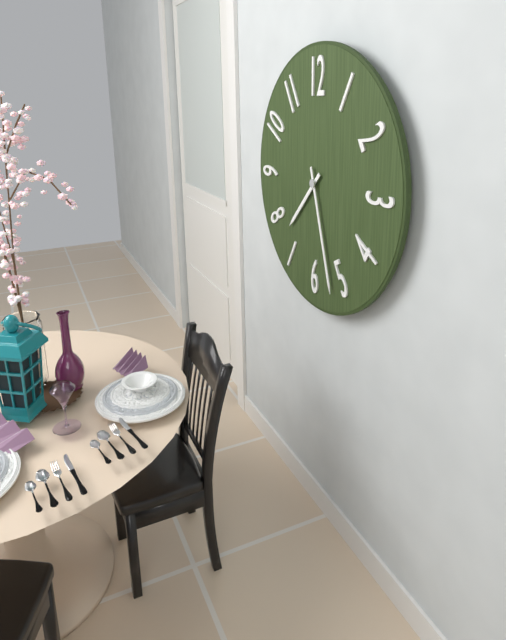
h=7 m=27
